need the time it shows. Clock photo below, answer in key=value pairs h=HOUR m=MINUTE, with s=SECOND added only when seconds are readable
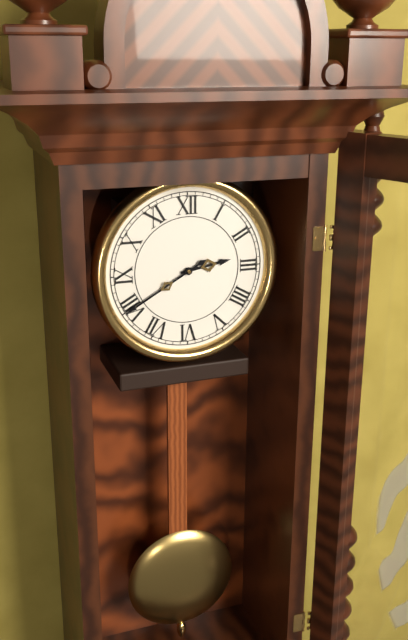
h=2 m=40
